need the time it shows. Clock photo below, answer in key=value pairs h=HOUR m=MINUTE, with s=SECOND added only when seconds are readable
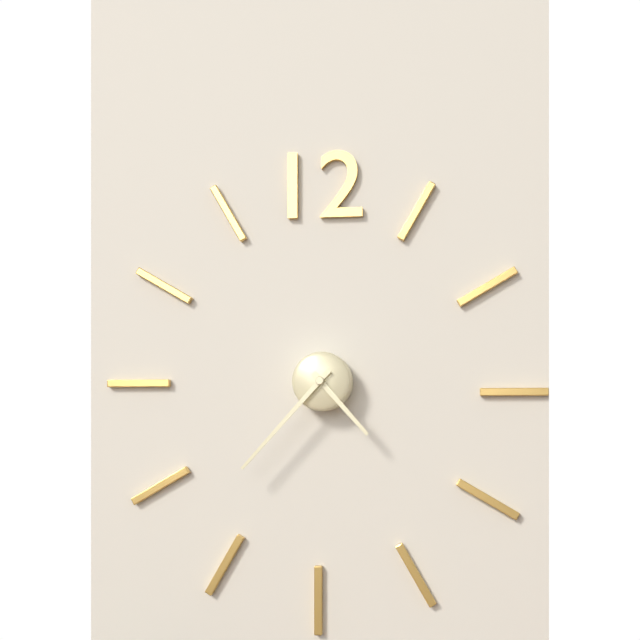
h=4 m=37
